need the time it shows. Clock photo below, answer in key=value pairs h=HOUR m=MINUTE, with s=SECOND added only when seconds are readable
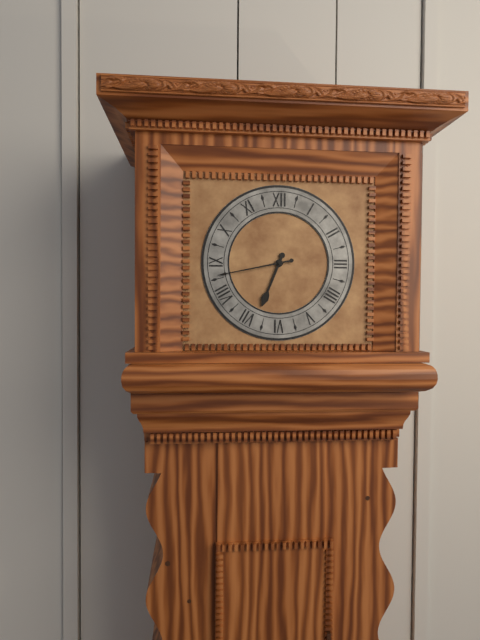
h=6 m=43
